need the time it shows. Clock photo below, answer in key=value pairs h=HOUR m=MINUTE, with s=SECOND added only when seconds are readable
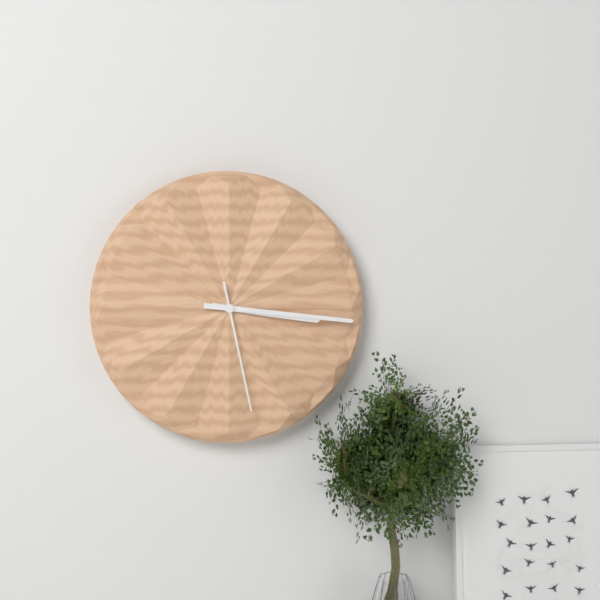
h=3 m=16 s=28
